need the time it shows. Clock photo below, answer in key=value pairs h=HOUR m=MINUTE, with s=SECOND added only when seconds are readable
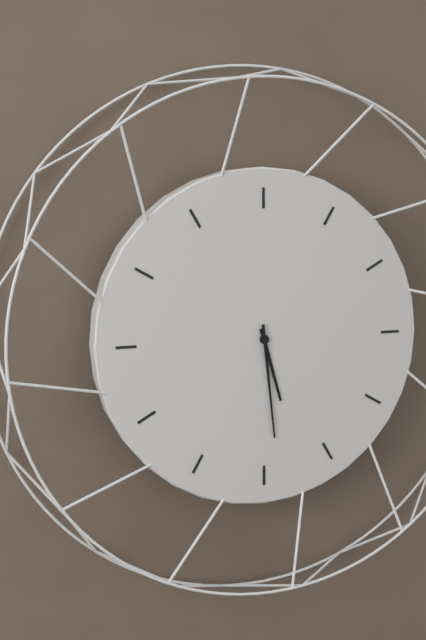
h=5 m=29
